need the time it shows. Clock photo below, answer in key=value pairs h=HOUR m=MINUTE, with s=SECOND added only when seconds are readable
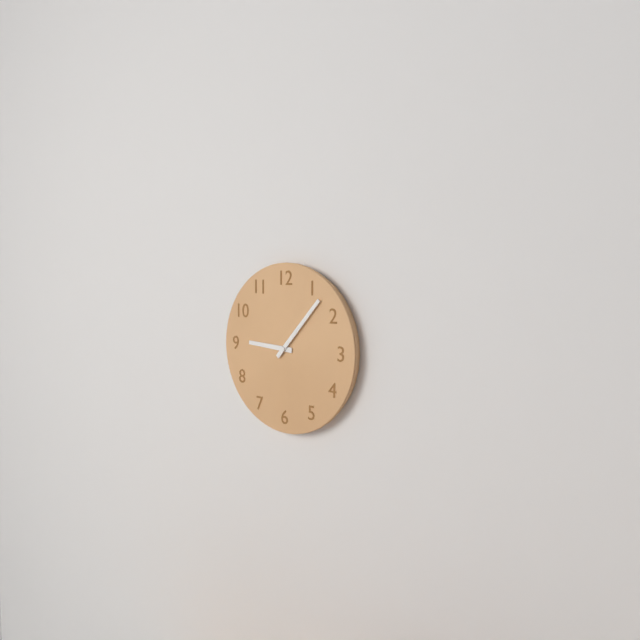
h=9 m=7
